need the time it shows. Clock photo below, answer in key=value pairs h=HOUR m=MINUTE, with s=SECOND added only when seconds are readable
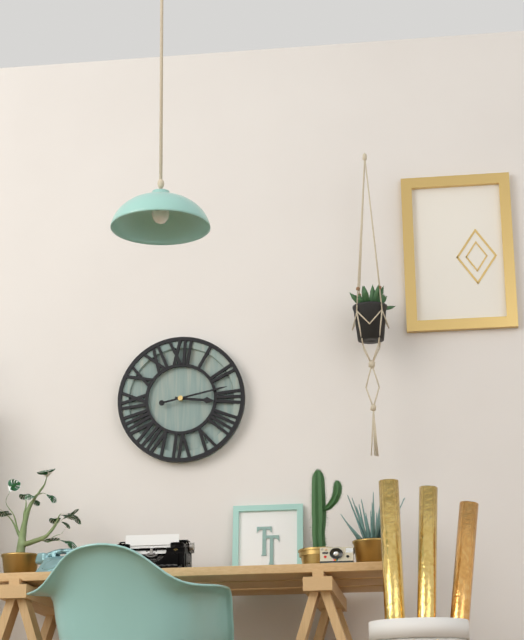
h=3 m=13
